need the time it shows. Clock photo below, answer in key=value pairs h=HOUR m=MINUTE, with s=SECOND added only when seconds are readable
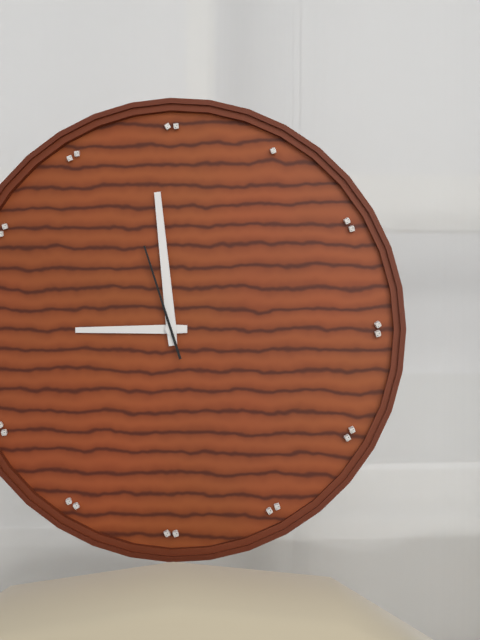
h=8 m=59 s=57
